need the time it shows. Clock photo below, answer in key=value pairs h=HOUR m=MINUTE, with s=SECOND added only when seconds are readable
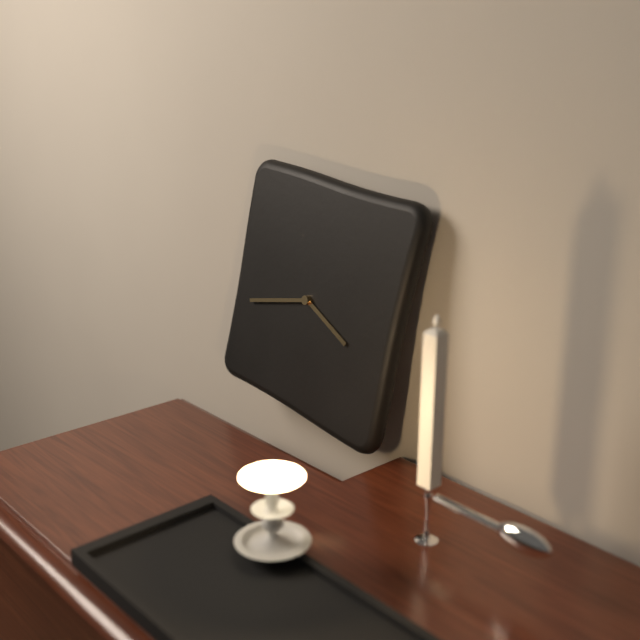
h=3 m=42
